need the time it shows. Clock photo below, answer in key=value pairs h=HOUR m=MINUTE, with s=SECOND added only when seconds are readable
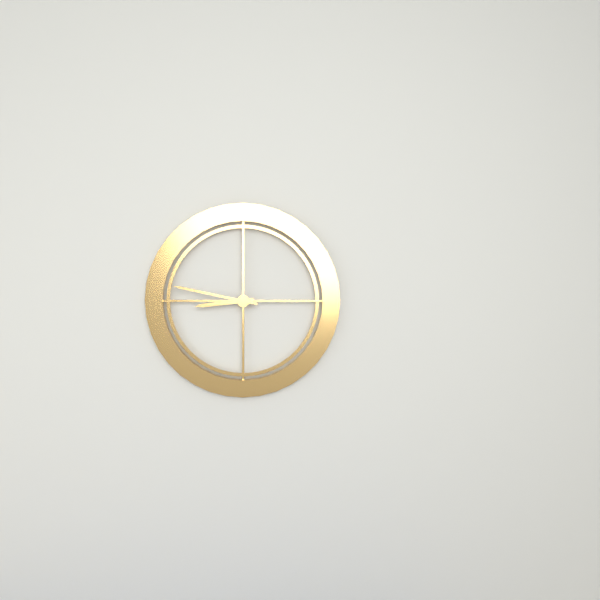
h=8 m=47
